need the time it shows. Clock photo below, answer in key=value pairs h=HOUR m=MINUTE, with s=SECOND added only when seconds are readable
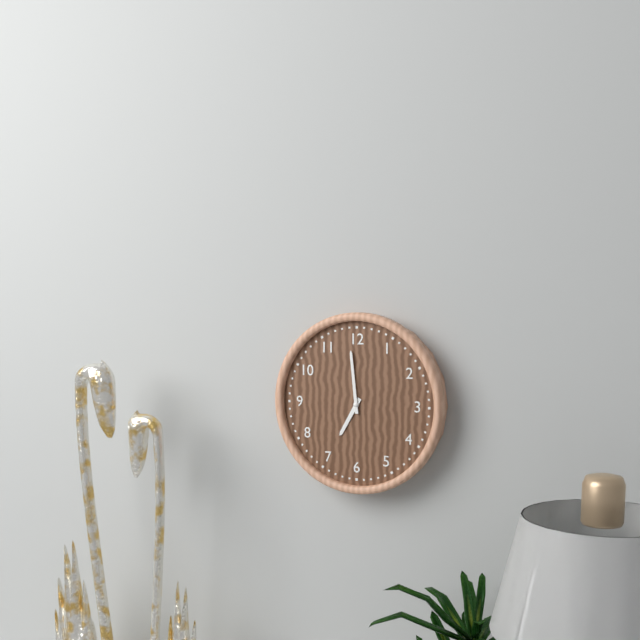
h=6 m=59
